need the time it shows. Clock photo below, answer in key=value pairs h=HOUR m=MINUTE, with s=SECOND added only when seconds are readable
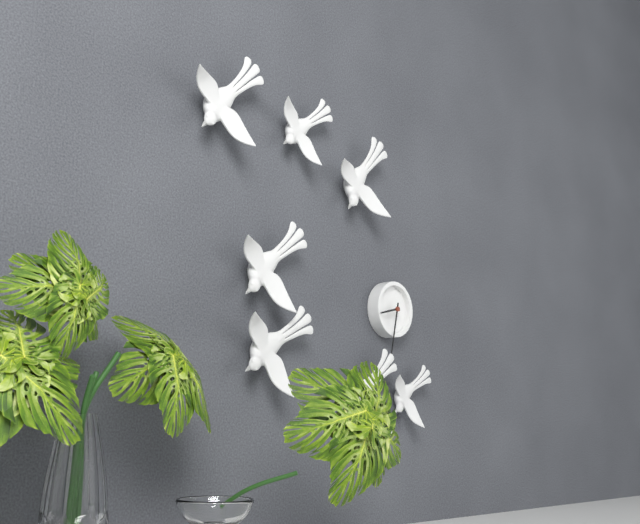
h=8 m=32
